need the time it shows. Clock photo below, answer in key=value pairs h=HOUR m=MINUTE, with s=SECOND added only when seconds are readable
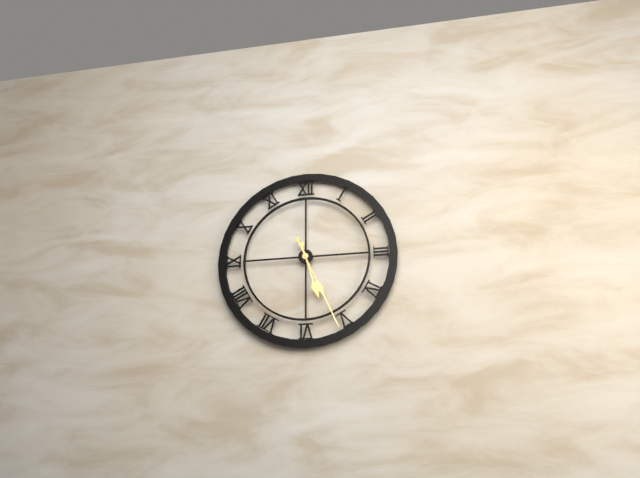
h=5 m=26
